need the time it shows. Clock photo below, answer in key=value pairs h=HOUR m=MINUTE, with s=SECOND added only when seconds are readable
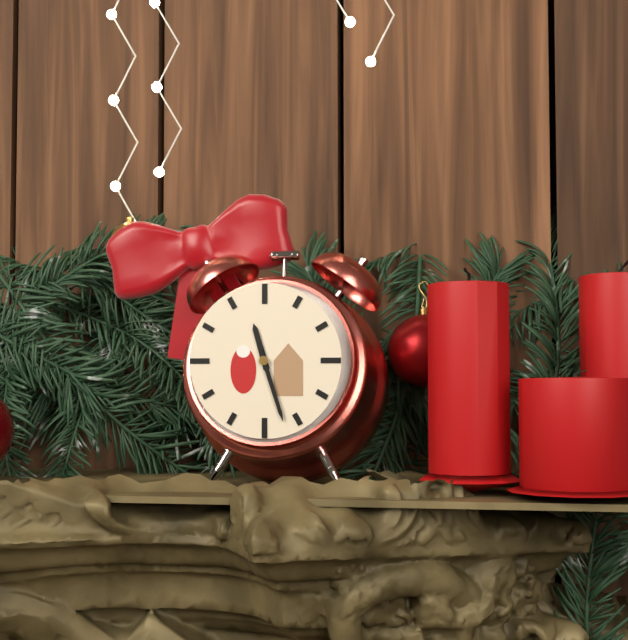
h=11 m=27
